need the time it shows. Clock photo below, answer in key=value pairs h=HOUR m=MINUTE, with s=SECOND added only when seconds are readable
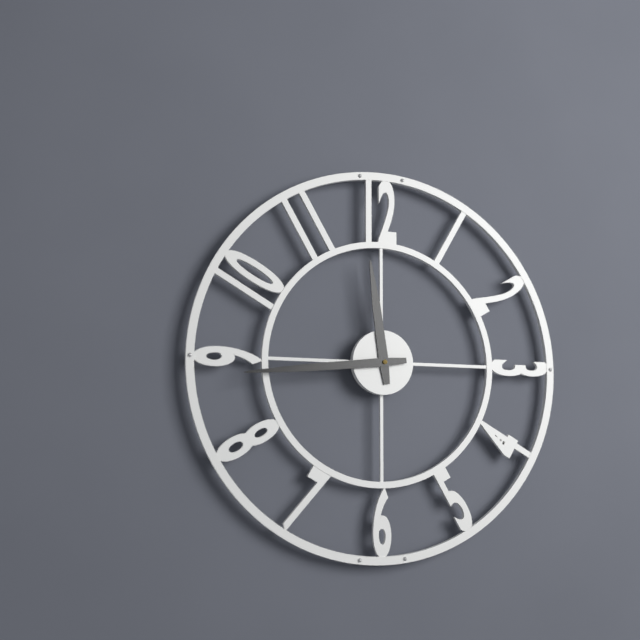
h=11 m=44
